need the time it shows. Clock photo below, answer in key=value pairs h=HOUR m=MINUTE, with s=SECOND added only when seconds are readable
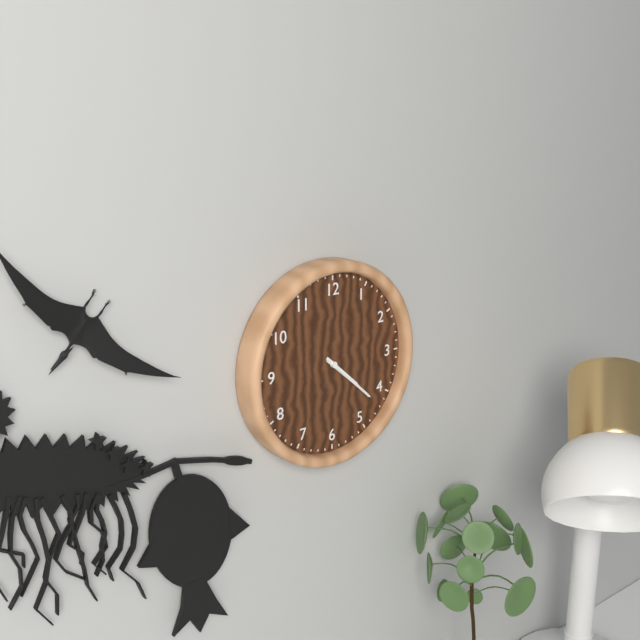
h=4 m=22
